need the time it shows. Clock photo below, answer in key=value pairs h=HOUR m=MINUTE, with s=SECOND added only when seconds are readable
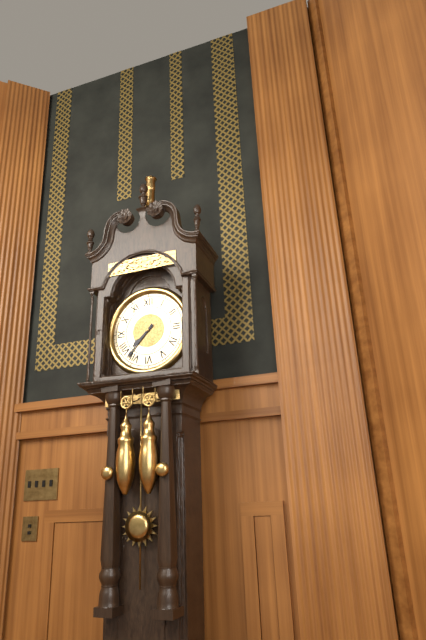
h=7 m=37
